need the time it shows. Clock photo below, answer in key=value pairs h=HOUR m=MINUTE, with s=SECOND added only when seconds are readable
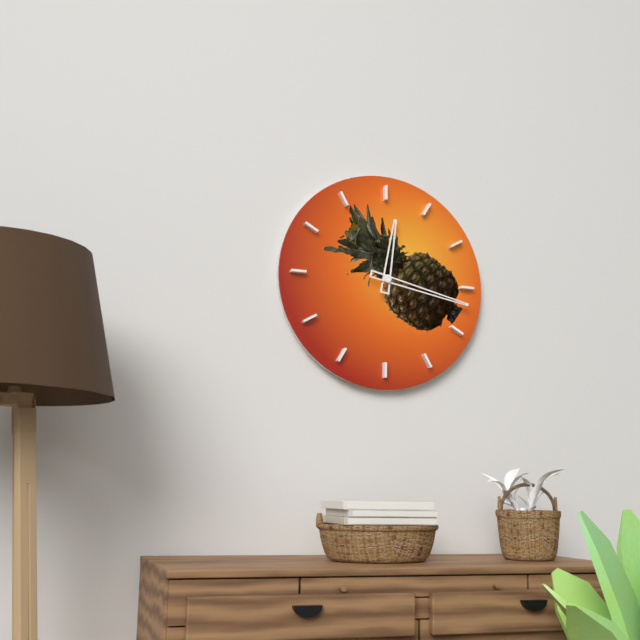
h=12 m=17
